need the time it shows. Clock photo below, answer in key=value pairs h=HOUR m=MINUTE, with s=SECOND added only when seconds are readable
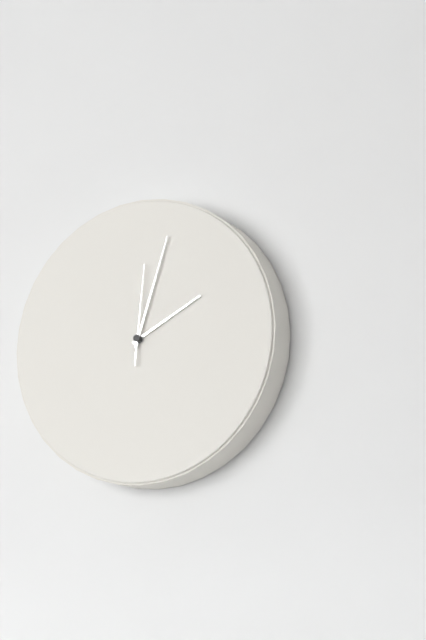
h=2 m=3 s=1
